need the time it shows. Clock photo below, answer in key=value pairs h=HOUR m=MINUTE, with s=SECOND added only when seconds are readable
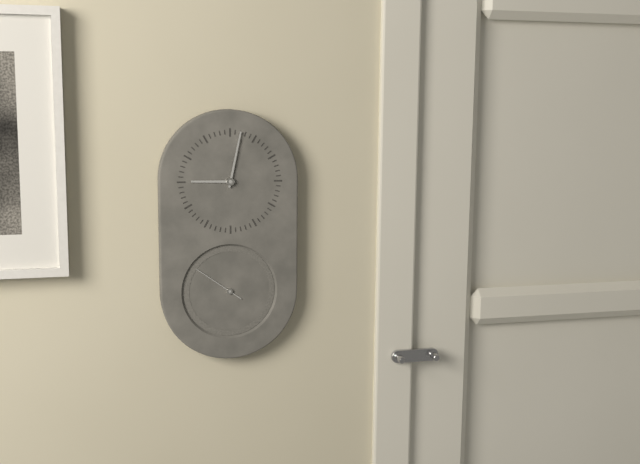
h=9 m=2 s=51
